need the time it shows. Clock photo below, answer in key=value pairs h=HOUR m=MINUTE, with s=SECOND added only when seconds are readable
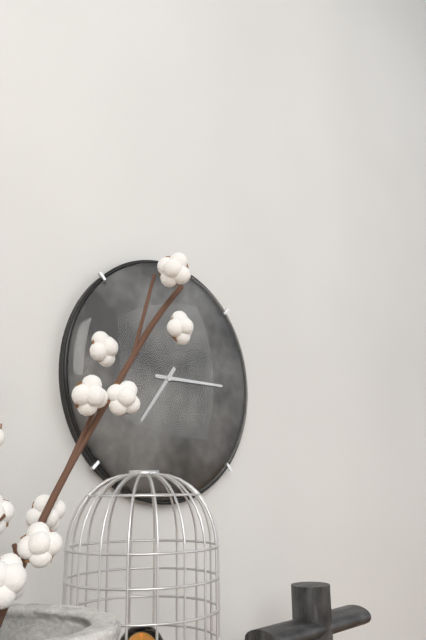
h=7 m=15
